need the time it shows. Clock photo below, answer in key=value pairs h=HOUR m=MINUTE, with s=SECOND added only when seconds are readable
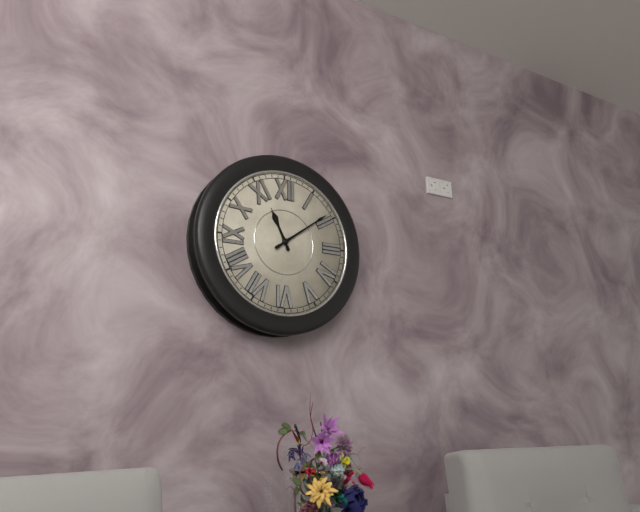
h=11 m=9
